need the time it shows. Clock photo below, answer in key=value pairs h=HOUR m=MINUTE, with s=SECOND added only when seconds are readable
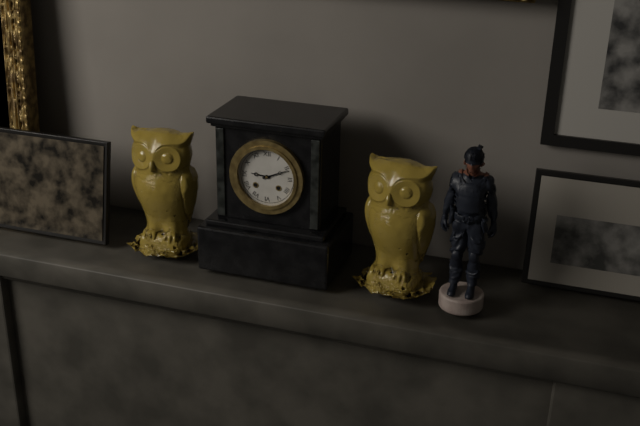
h=9 m=11
